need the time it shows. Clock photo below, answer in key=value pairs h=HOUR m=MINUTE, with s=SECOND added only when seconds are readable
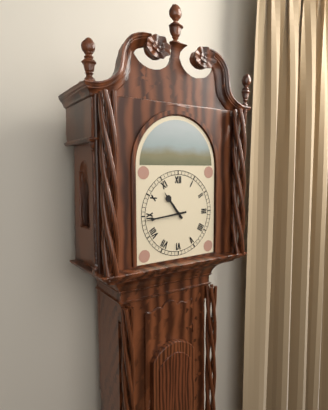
h=10 m=44
